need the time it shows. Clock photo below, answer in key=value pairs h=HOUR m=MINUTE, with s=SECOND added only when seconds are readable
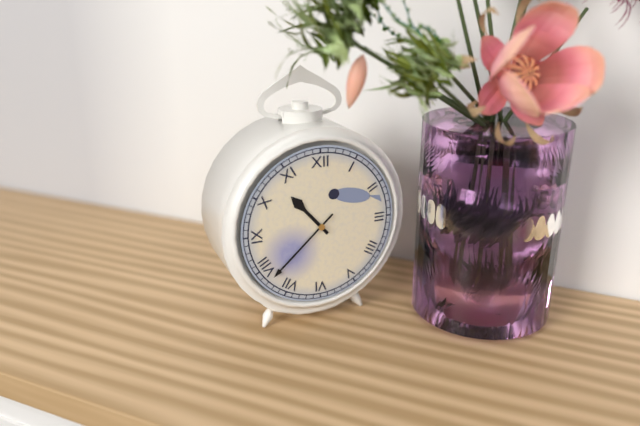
h=10 m=38
